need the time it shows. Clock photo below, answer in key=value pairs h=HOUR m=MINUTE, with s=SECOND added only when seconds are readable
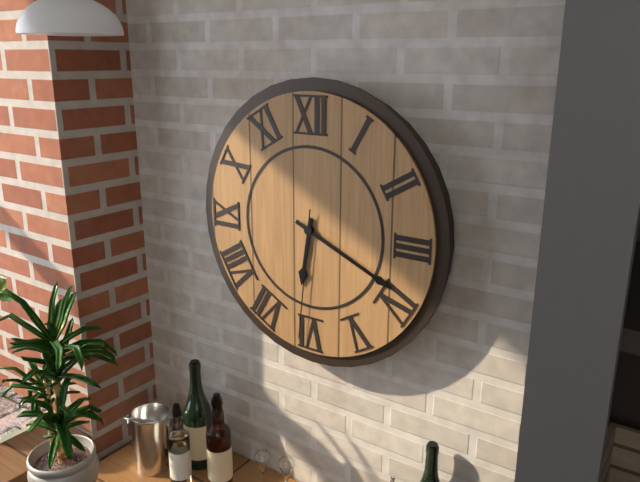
h=6 m=19 s=31
